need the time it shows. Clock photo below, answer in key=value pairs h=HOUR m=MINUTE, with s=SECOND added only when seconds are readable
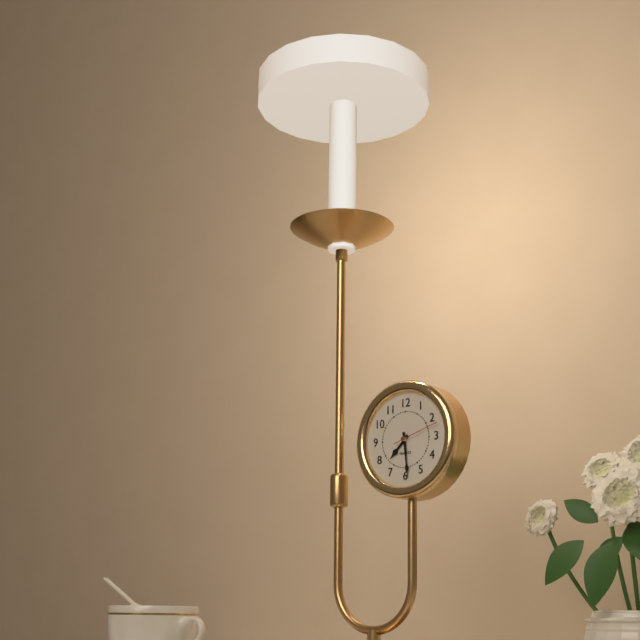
h=7 m=29
